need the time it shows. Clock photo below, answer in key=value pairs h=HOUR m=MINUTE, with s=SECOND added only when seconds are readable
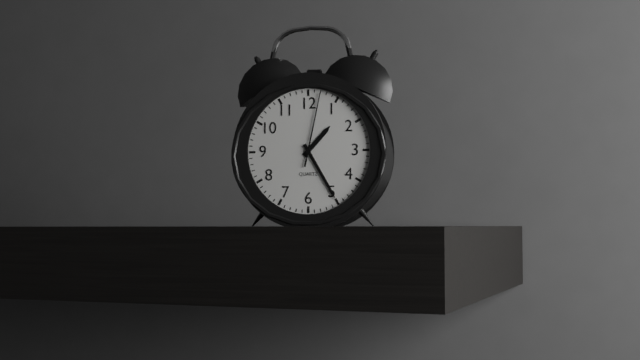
h=1 m=25 s=2
